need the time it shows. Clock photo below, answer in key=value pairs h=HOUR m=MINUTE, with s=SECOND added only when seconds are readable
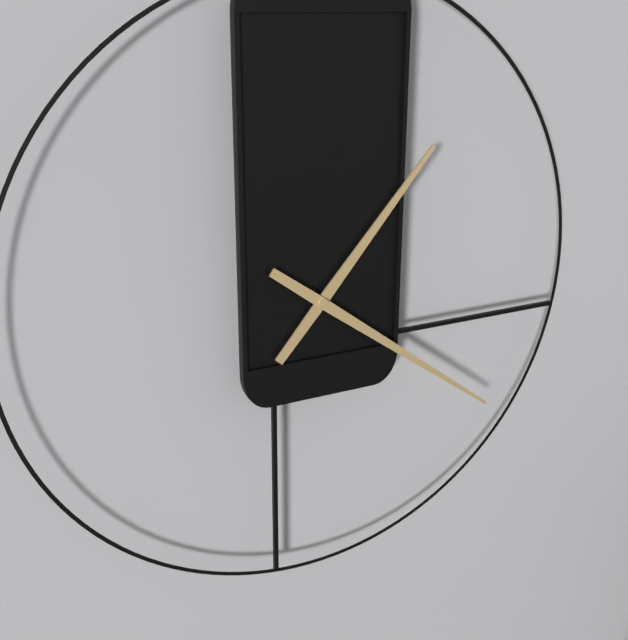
h=1 m=21
